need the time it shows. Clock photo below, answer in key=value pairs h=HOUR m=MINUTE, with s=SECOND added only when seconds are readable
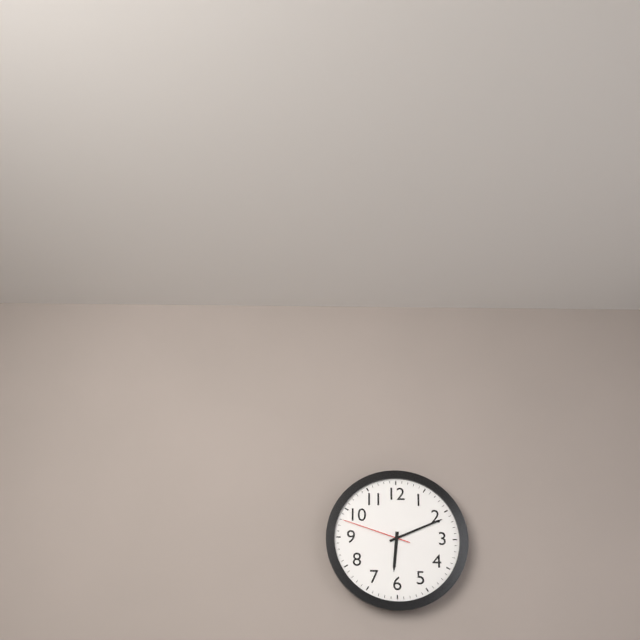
h=6 m=11 s=48
